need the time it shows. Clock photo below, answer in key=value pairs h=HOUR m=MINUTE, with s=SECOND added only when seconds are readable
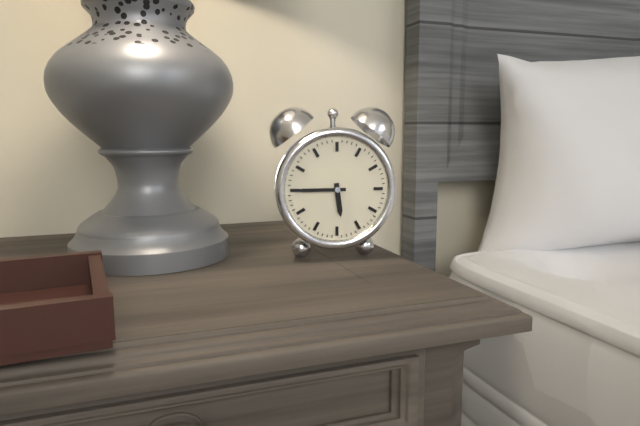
h=5 m=45
